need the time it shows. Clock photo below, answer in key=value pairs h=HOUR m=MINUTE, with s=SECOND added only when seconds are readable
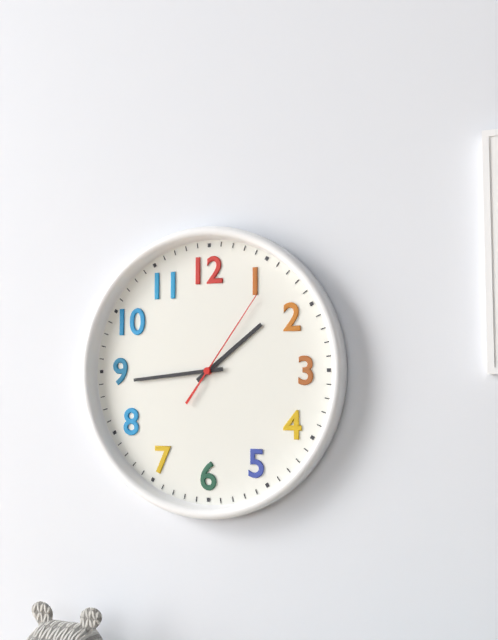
h=1 m=44 s=6
